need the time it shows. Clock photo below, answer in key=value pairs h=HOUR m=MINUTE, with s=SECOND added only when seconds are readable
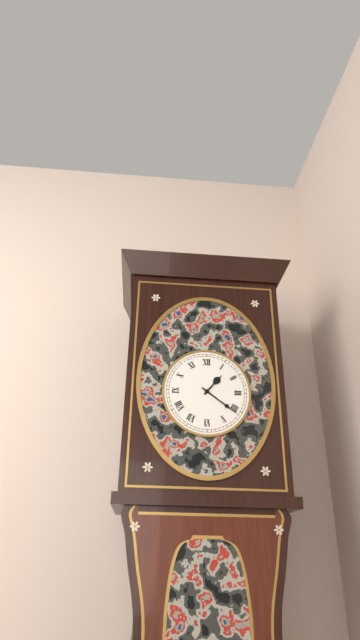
h=1 m=21
